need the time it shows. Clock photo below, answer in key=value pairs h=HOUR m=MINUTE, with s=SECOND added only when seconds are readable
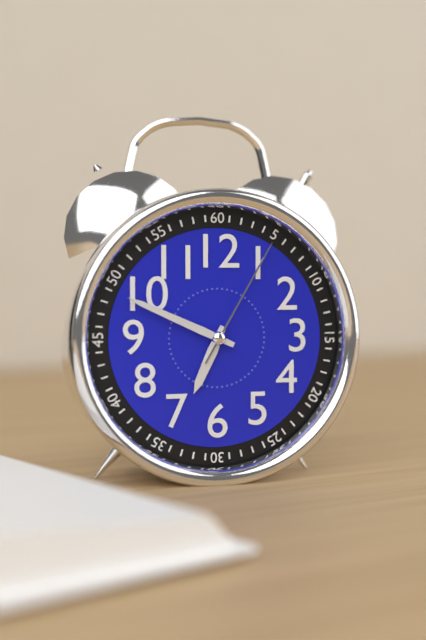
h=6 m=49 s=5
